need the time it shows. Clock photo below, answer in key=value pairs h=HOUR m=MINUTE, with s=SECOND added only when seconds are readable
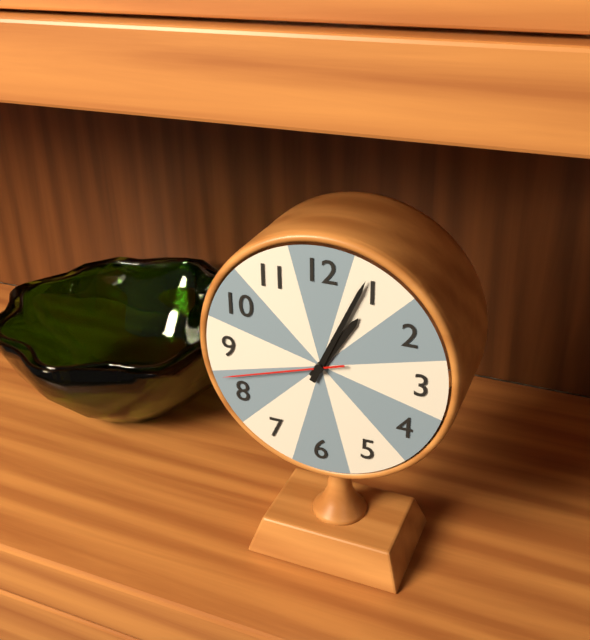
h=1 m=4 s=42
